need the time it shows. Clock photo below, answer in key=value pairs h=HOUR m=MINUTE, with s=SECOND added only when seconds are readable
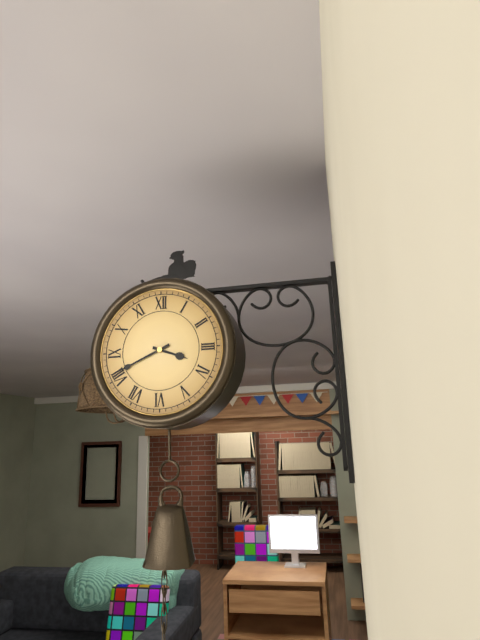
h=3 m=41
